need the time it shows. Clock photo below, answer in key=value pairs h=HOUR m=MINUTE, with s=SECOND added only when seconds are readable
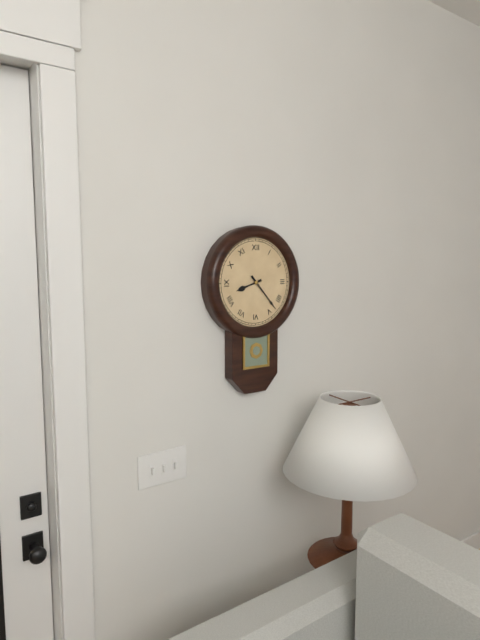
h=8 m=23
